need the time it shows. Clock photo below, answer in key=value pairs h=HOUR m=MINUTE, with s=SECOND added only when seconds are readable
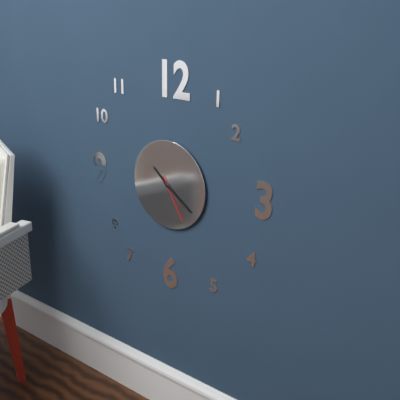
h=10 m=21
